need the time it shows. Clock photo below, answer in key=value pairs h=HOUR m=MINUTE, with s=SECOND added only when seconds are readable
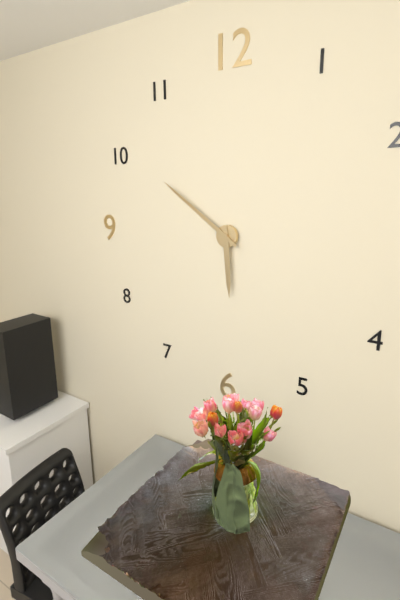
h=5 m=51
